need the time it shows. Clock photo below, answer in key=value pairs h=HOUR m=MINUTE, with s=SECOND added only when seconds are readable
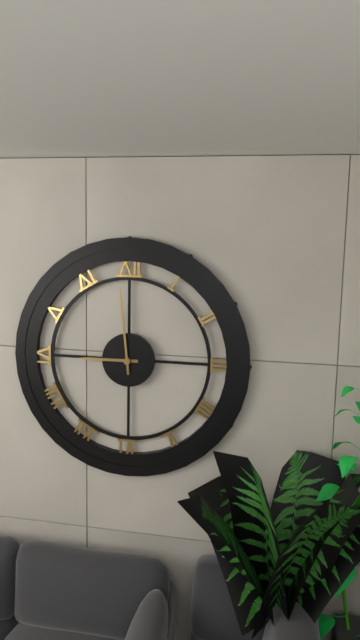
h=8 m=59
